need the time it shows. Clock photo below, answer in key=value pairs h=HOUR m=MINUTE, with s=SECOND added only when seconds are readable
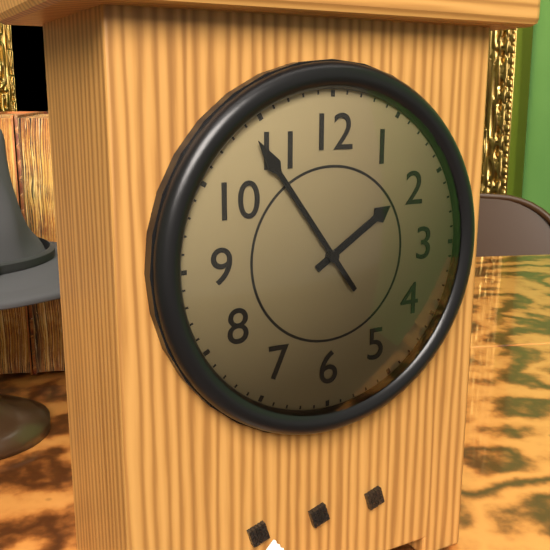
h=1 m=54
